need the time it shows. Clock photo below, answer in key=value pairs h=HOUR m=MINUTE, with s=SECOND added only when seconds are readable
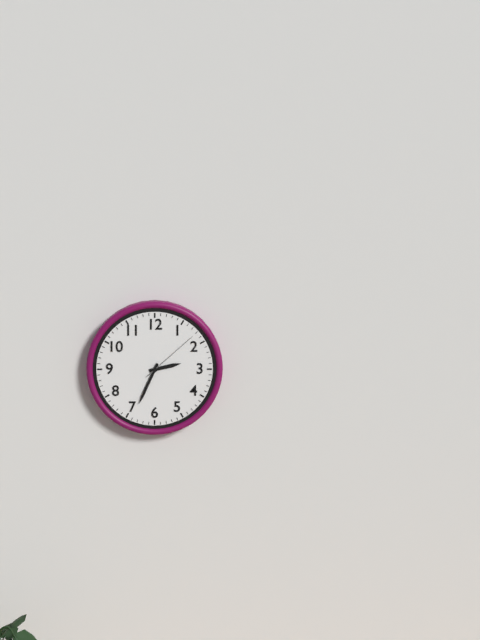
h=2 m=34 s=8
